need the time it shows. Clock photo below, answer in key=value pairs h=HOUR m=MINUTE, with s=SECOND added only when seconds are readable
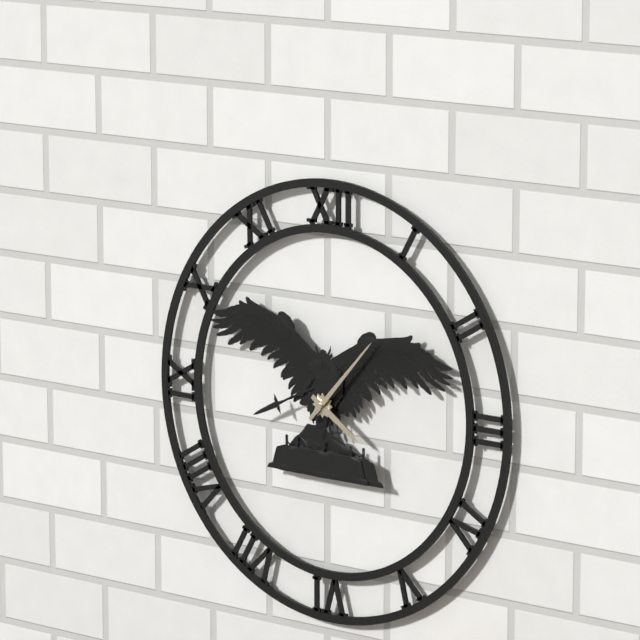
h=4 m=7
